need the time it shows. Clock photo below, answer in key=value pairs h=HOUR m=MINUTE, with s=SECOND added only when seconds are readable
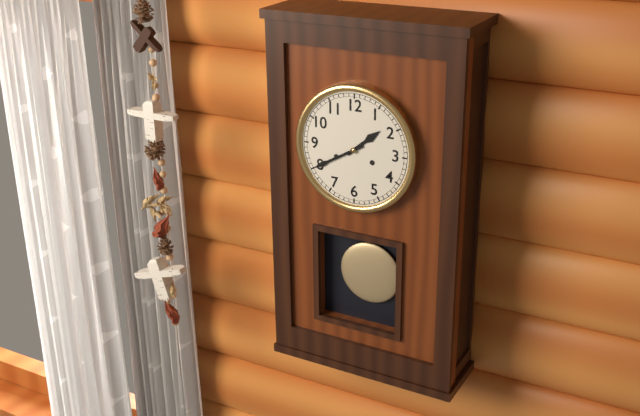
h=1 m=40
